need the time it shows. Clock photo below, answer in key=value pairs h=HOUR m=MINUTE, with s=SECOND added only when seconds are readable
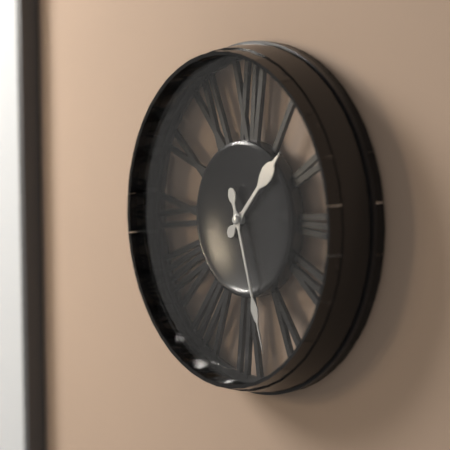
h=1 m=27
